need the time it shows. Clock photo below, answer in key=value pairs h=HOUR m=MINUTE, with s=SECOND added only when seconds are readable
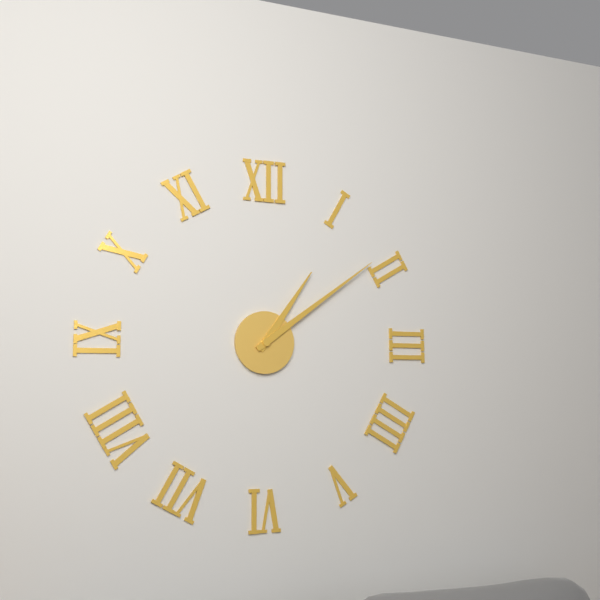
h=1 m=9
